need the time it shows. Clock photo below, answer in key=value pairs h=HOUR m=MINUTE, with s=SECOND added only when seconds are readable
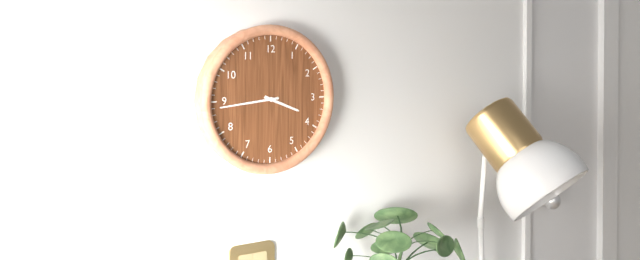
h=3 m=44
